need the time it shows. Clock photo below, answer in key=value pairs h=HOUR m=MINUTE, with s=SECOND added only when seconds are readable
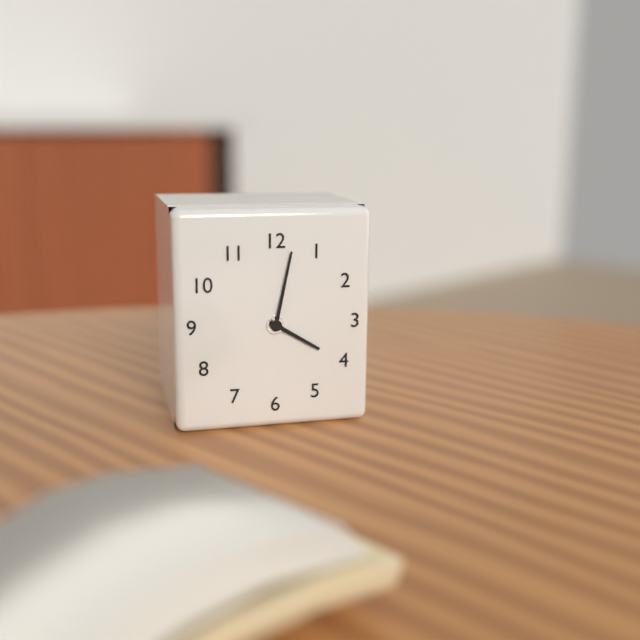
h=4 m=2
